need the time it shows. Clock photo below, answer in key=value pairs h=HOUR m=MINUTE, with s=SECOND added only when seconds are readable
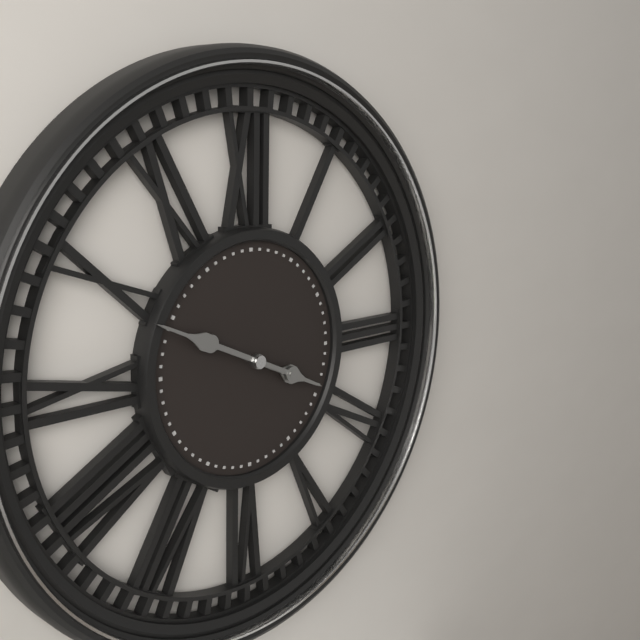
h=3 m=49
